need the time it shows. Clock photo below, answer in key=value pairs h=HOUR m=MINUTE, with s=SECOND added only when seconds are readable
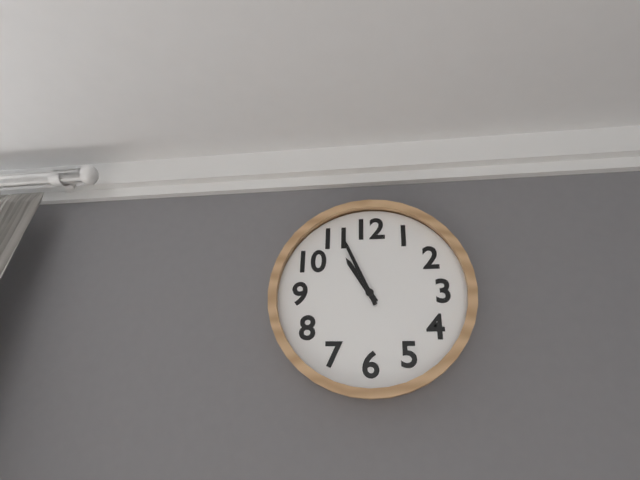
h=10 m=56
